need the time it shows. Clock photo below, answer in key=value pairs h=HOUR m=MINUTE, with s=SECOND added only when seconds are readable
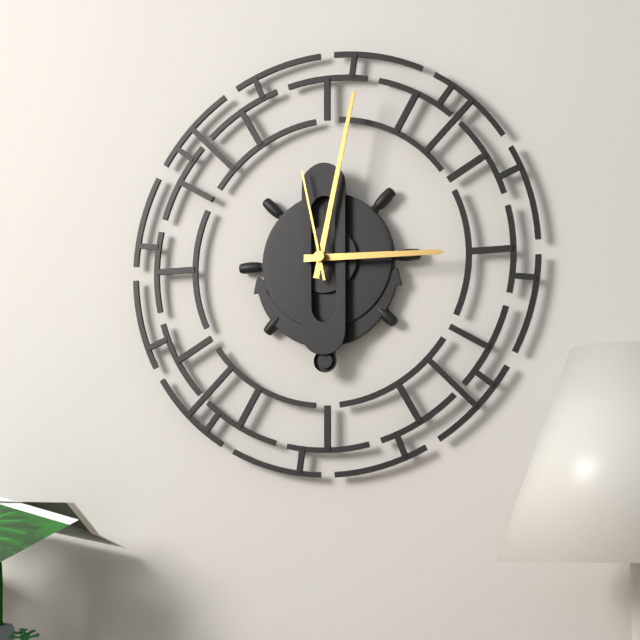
h=3 m=2 s=58
